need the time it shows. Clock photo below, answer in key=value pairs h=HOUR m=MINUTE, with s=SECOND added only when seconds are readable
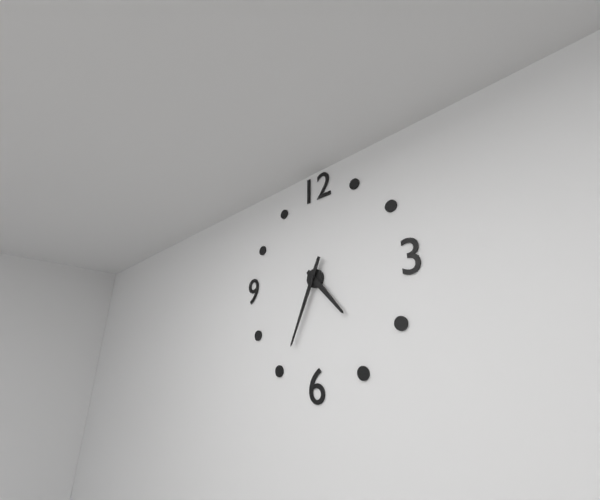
h=4 m=34
